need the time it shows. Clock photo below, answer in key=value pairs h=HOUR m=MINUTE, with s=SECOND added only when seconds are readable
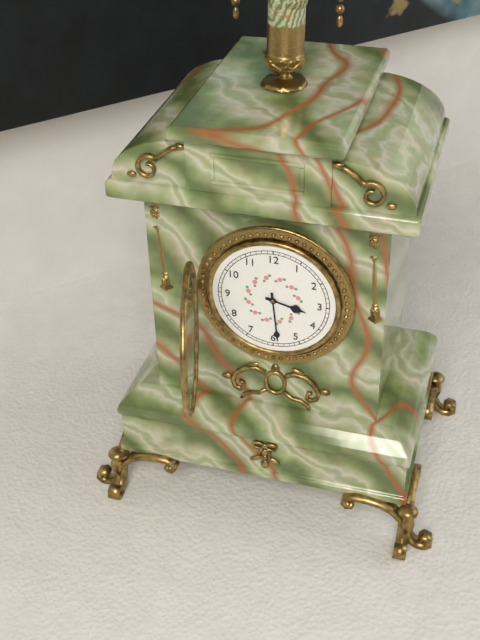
h=3 m=29
